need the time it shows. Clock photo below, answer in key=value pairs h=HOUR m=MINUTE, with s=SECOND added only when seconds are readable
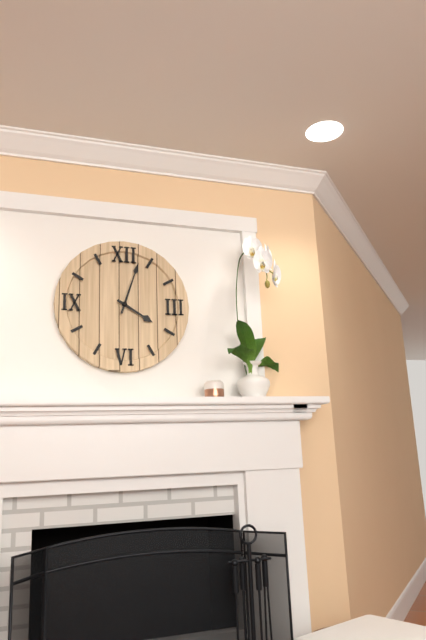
h=4 m=3
